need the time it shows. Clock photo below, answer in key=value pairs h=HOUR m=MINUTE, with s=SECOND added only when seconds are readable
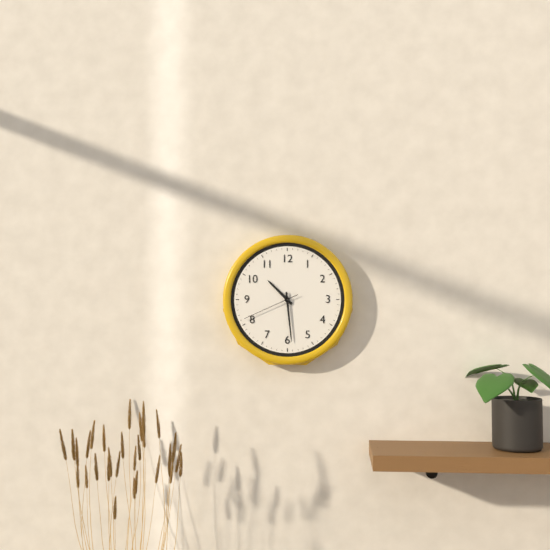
h=10 m=29 s=41
